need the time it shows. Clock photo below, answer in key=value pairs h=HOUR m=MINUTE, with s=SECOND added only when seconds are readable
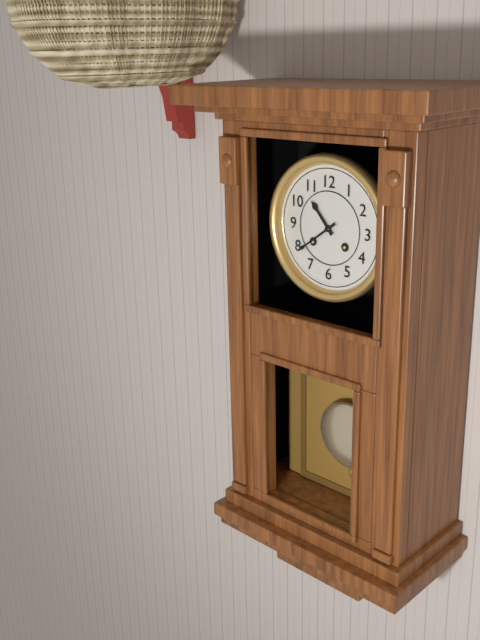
h=10 m=39
